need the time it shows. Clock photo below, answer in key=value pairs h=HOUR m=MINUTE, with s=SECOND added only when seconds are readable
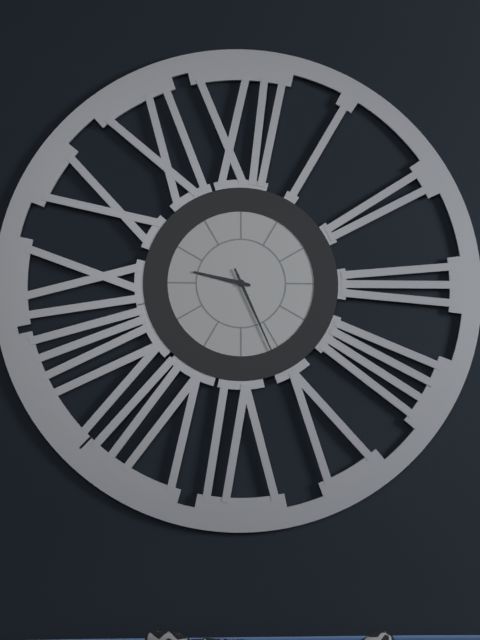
h=9 m=26
